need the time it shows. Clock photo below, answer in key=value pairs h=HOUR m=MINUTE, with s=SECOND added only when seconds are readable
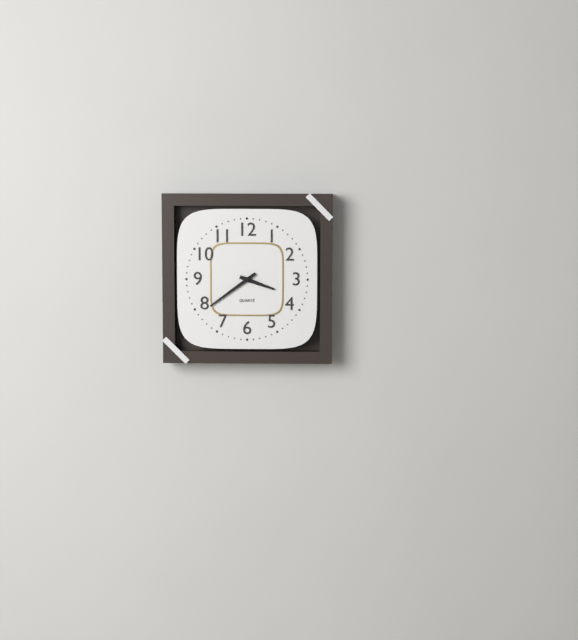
h=3 m=39
